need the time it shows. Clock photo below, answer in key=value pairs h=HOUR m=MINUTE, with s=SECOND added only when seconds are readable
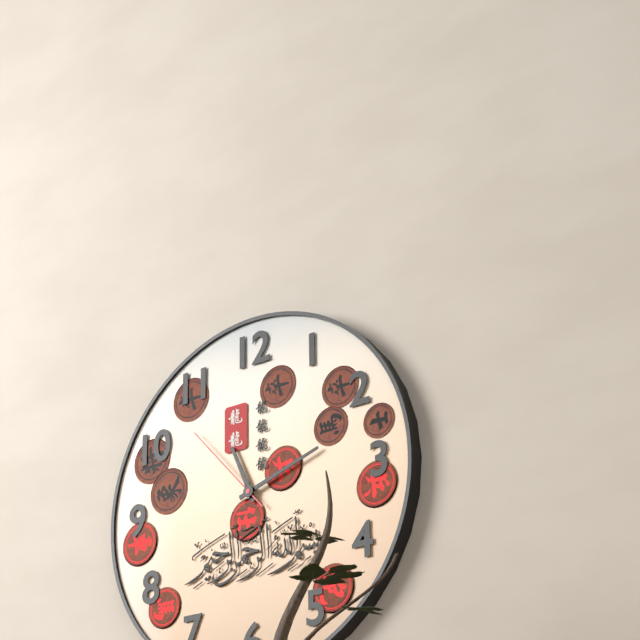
h=11 m=12 s=53
